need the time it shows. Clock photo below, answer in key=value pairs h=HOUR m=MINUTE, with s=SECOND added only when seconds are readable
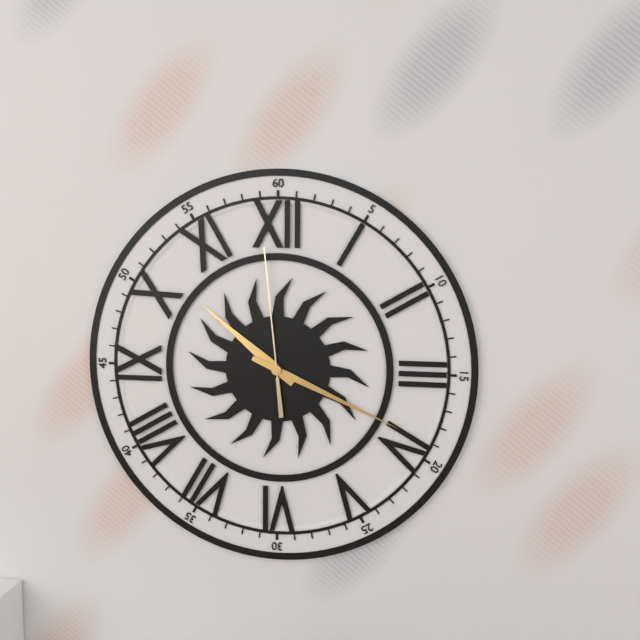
h=10 m=19 s=59
